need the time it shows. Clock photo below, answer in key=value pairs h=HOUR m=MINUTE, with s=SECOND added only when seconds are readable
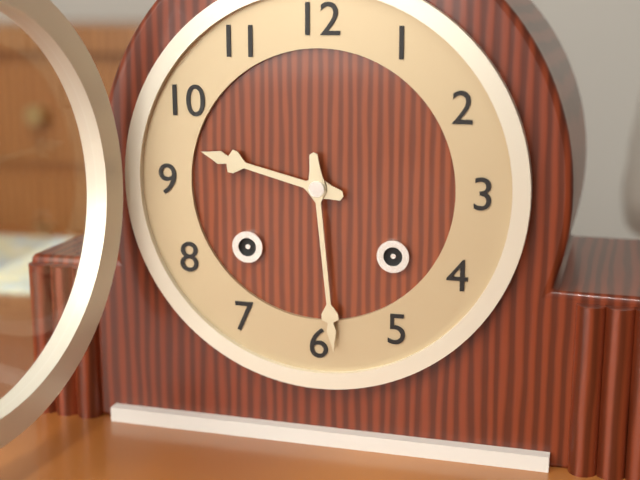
h=9 m=29
